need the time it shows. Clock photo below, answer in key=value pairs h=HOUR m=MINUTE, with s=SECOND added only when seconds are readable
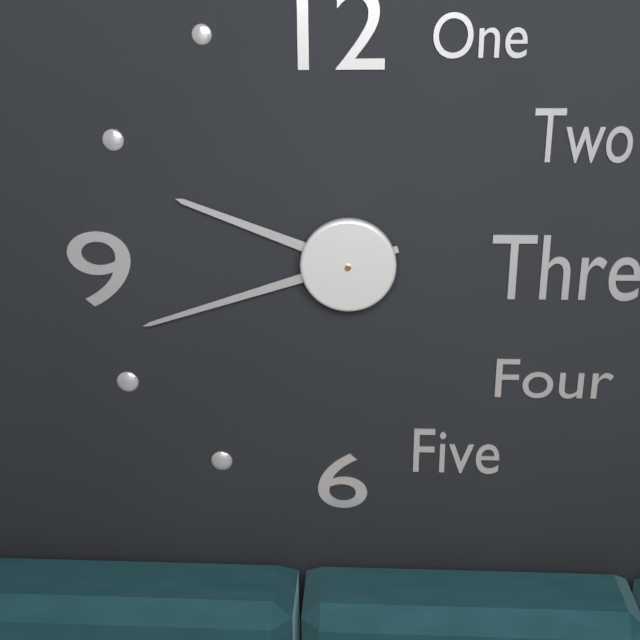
h=9 m=42
